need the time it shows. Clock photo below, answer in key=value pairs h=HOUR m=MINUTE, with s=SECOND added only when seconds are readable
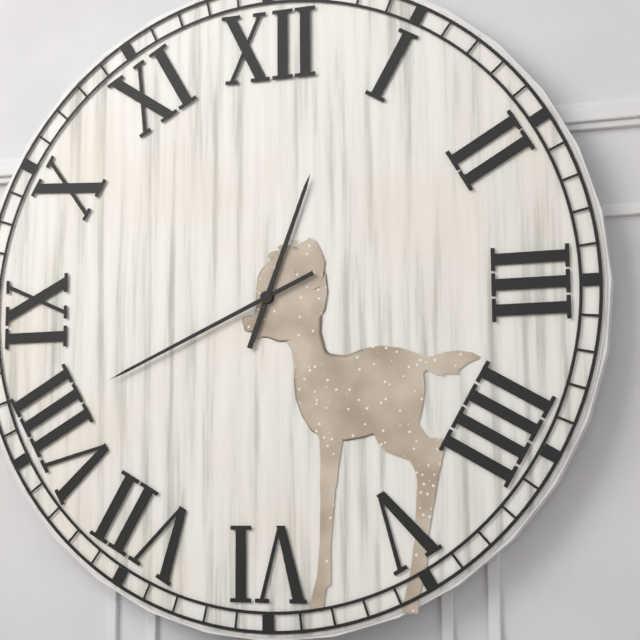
h=12 m=41
